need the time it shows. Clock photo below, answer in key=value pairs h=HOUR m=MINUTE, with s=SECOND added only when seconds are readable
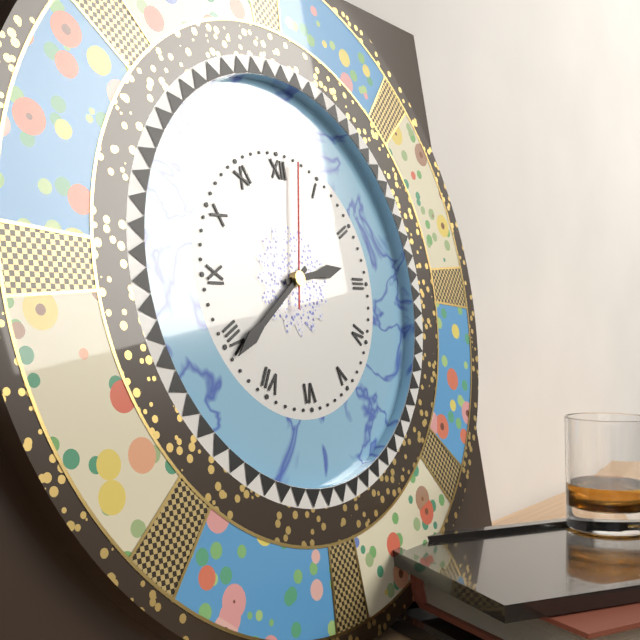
h=2 m=39 s=2
